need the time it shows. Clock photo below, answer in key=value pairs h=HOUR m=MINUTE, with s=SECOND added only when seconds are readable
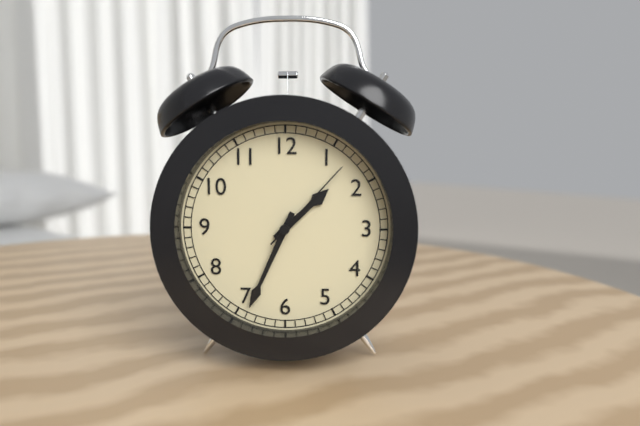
h=1 m=34 s=7
